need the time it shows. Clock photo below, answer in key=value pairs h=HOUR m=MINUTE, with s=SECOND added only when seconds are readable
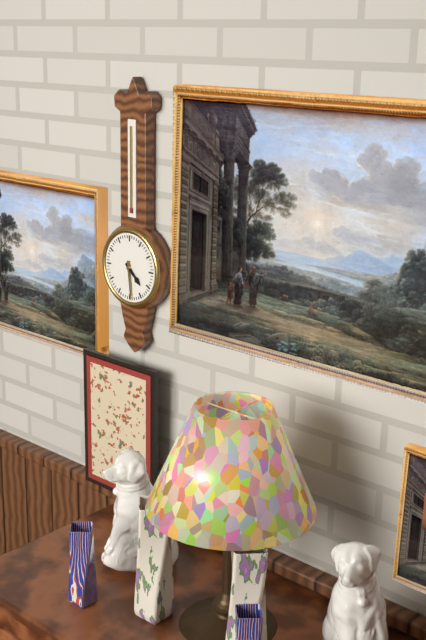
h=4 m=29
